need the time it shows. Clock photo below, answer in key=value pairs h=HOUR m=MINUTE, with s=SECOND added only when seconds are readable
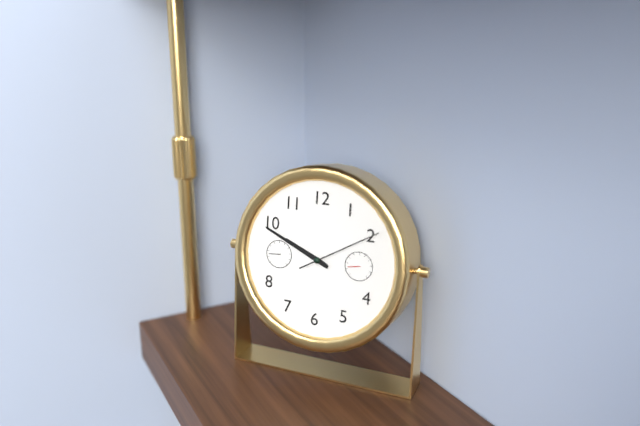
h=9 m=49 s=10
